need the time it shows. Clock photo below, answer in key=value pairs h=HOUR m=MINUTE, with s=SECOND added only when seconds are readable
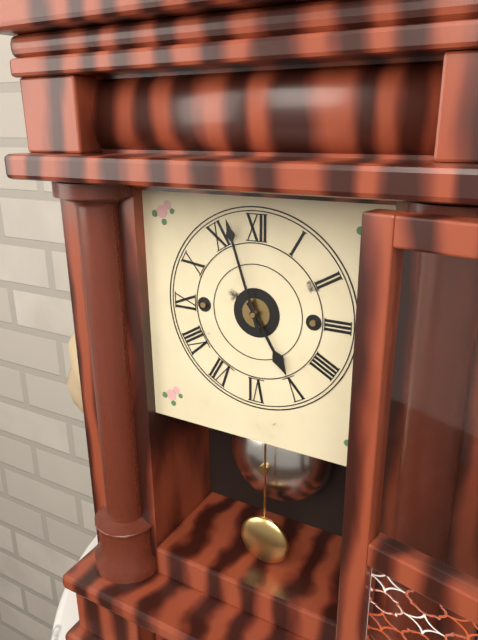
h=4 m=57
